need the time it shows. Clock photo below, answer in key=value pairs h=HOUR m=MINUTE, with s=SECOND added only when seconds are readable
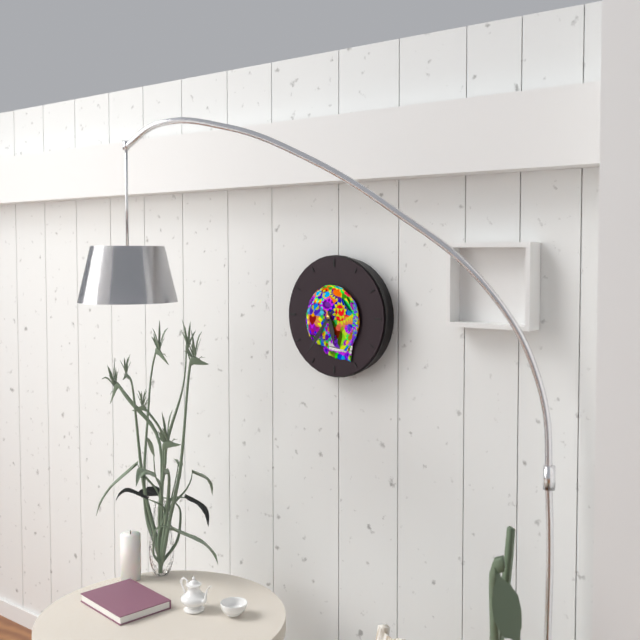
h=5 m=36
